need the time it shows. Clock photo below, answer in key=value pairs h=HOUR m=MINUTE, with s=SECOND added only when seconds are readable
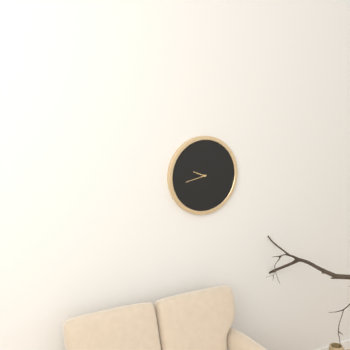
h=9 m=43
